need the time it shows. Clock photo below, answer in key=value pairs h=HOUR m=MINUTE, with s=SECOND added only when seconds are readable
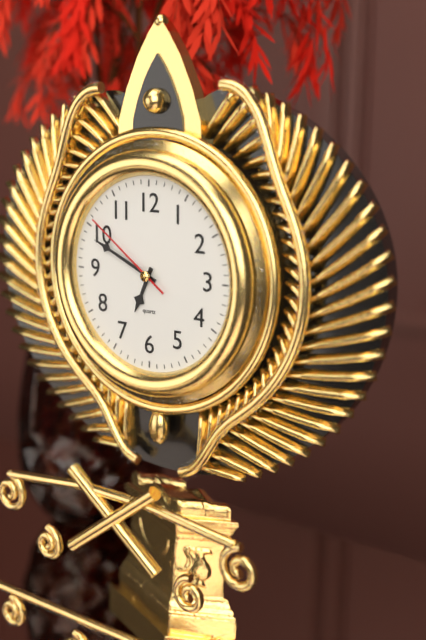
h=6 m=49 s=51
